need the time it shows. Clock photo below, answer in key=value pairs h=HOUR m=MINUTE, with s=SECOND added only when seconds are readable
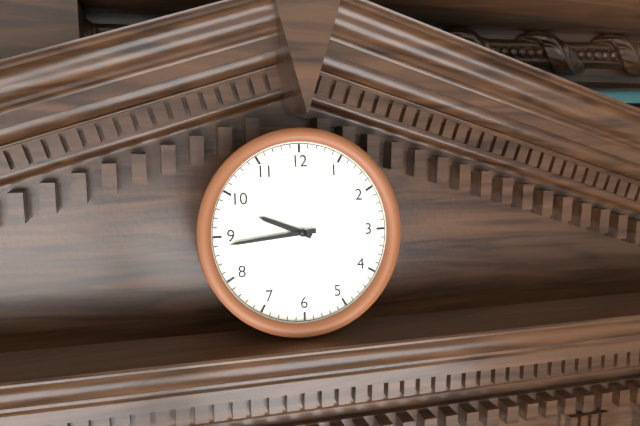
h=9 m=44
